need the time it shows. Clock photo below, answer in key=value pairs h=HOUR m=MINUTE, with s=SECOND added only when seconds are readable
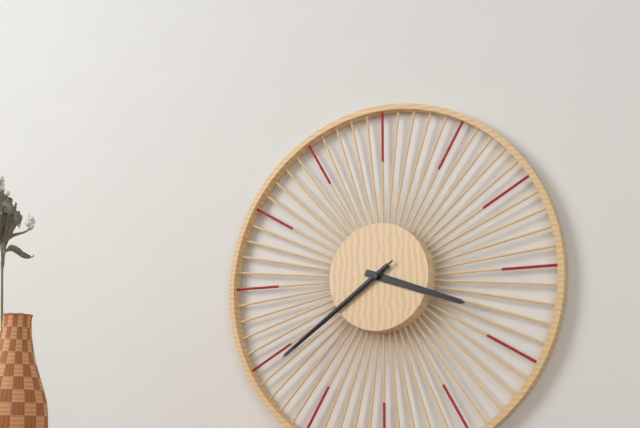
h=3 m=39 s=39
